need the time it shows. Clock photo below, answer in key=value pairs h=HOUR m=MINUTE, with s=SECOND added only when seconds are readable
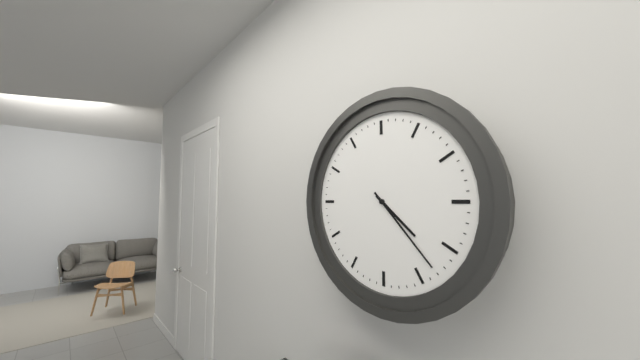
h=4 m=23
